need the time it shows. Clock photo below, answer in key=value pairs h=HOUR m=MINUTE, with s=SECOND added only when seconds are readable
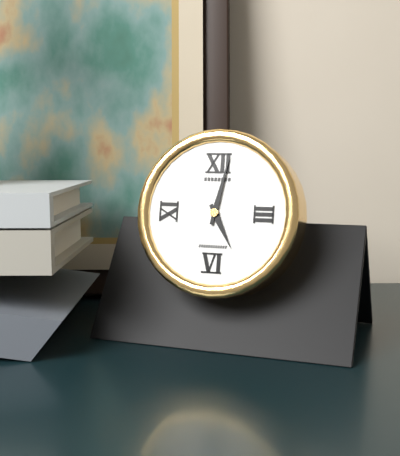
h=5 m=2
